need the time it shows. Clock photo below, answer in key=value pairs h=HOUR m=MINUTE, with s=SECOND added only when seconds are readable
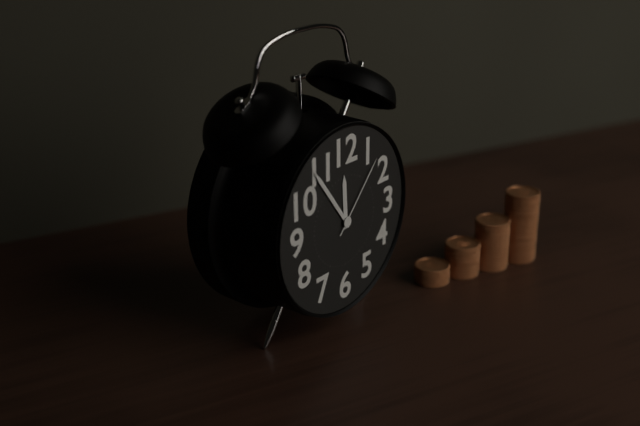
h=11 m=54 s=7
